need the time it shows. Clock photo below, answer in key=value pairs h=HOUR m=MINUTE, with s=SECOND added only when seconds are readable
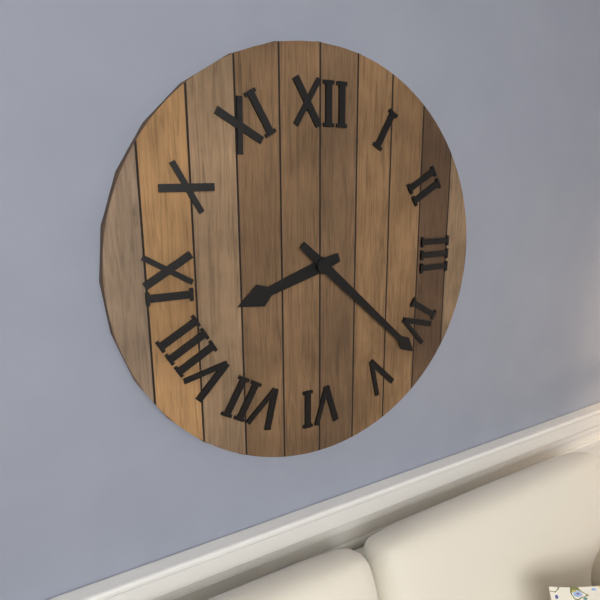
h=8 m=22
